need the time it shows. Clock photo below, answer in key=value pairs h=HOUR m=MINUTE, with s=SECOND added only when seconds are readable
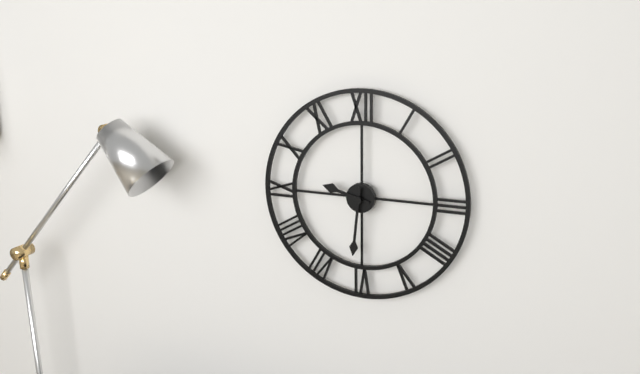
h=9 m=31
